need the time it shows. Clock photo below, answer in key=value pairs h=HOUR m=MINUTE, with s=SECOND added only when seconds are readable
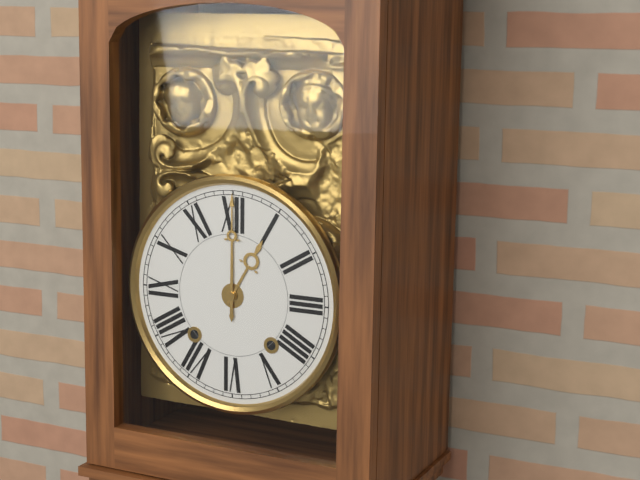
h=1 m=0
